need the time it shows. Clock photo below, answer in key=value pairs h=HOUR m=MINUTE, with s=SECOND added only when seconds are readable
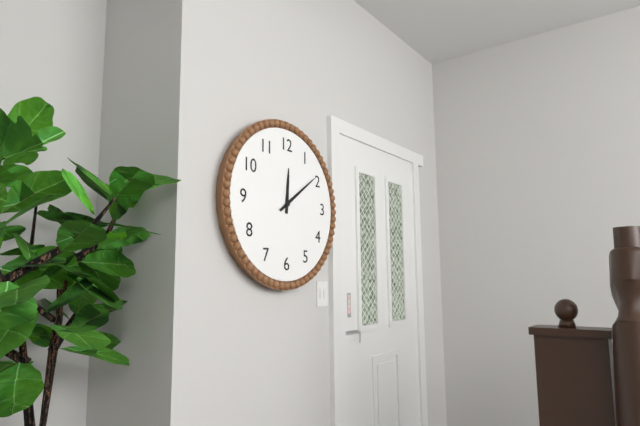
h=12 m=9
